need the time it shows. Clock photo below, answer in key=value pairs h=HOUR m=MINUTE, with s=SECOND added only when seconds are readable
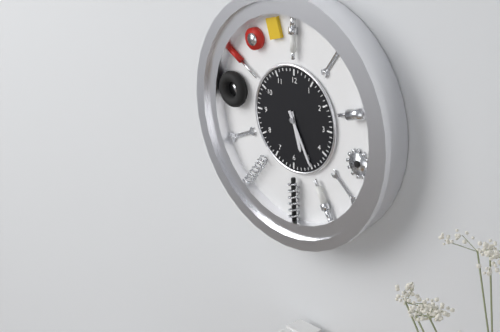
h=5 m=25
